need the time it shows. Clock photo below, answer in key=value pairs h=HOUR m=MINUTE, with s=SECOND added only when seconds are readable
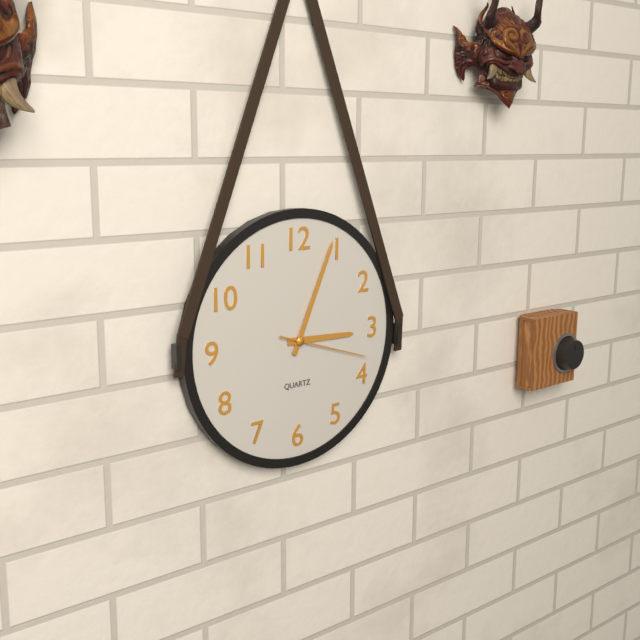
h=3 m=4 s=18
